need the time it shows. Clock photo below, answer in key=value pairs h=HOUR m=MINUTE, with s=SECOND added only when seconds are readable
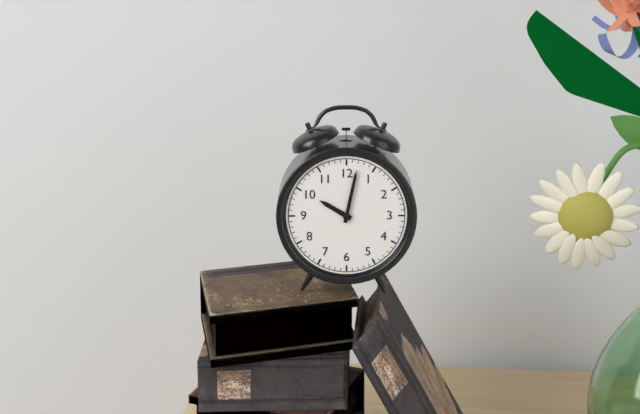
h=10 m=2
